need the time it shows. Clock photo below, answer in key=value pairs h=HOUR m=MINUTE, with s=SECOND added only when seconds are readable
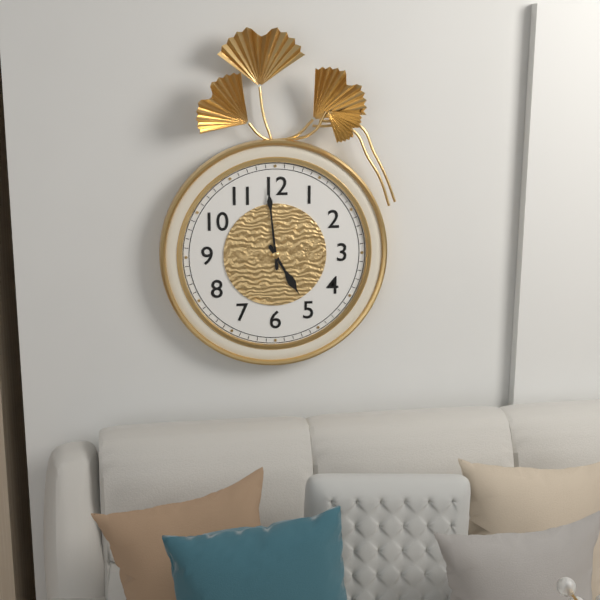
h=4 m=59
